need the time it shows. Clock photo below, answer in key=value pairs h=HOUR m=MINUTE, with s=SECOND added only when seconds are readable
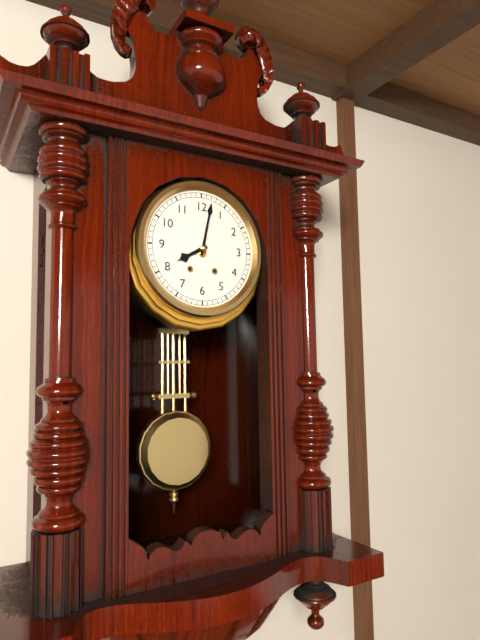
h=8 m=2
